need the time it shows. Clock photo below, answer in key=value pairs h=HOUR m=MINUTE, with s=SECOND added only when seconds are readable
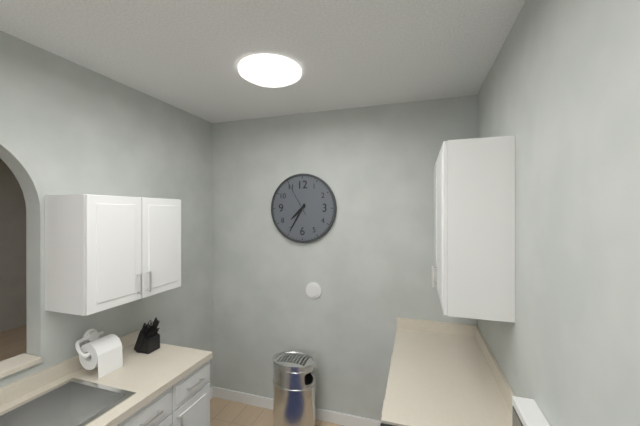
h=7 m=35
